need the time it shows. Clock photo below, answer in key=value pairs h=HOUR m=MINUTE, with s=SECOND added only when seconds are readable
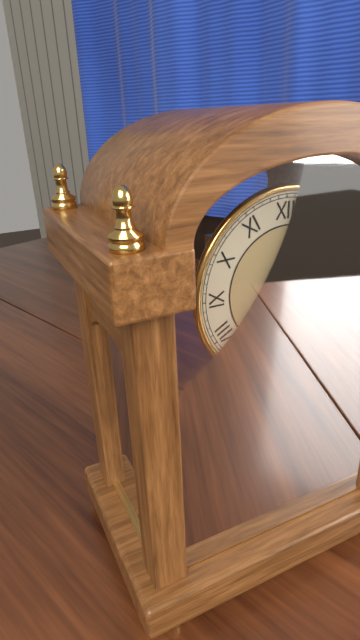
h=2 m=21
